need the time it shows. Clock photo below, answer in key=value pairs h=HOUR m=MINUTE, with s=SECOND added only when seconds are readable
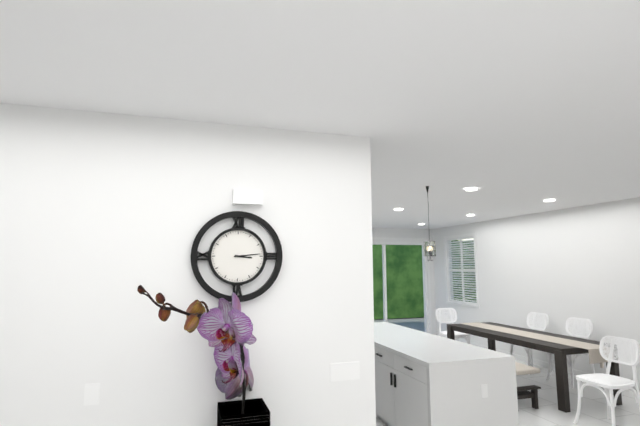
h=3 m=14
